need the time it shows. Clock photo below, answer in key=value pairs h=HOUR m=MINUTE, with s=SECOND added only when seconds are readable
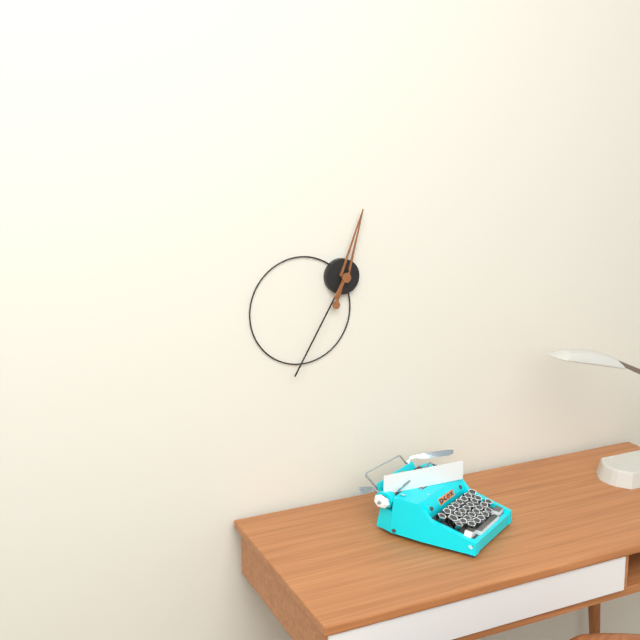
h=12 m=35
